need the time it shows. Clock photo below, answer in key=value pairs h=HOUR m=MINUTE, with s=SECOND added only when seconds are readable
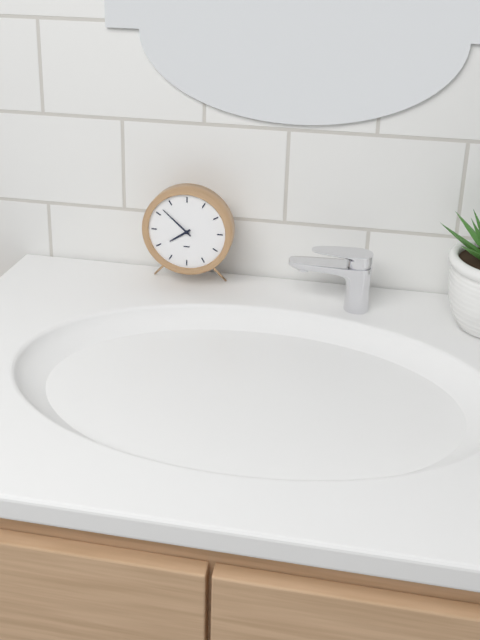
h=7 m=52
